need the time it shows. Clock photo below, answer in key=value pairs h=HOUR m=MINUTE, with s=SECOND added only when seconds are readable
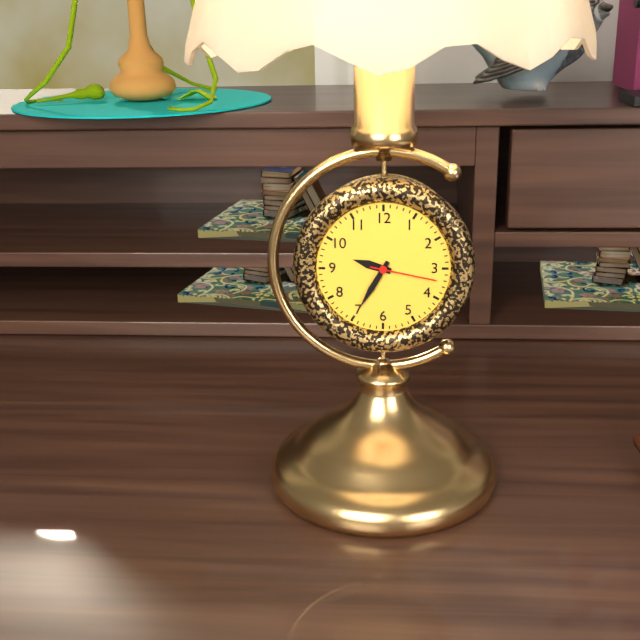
h=9 m=35 s=17
